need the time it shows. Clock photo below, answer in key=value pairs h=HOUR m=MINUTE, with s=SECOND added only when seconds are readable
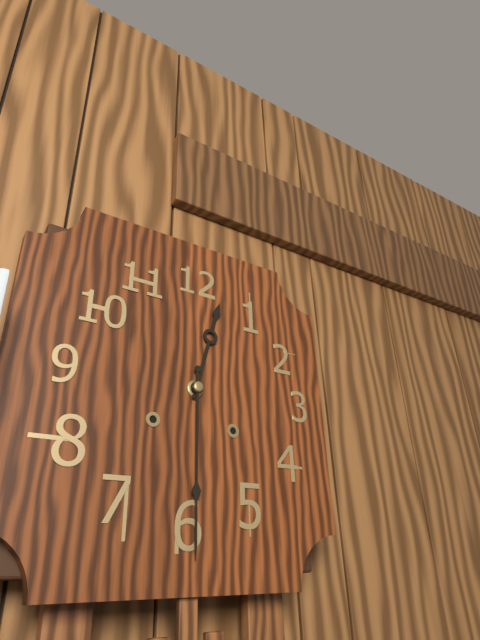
h=12 m=30
